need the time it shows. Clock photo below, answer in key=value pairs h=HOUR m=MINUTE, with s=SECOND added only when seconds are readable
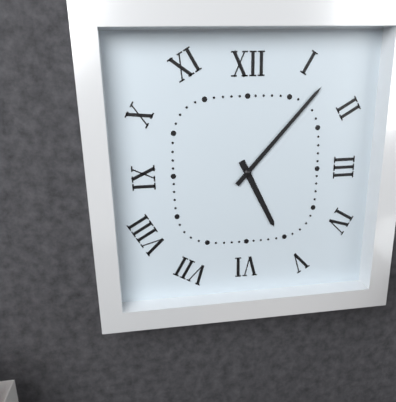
h=5 m=7
